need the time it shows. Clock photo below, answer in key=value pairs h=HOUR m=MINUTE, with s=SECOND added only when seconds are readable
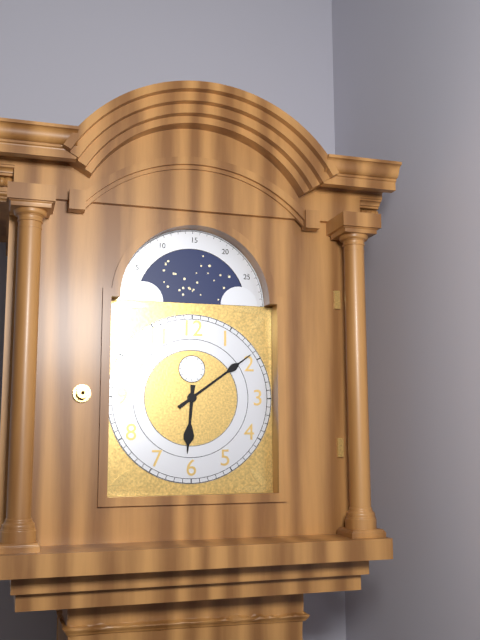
h=6 m=9
